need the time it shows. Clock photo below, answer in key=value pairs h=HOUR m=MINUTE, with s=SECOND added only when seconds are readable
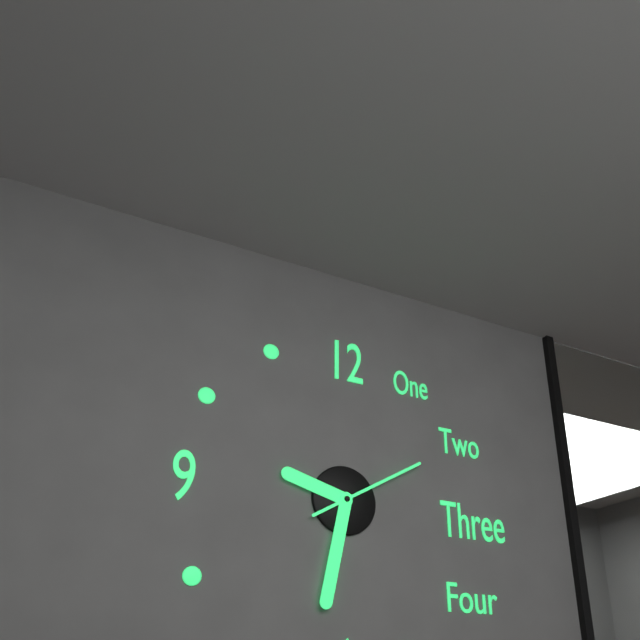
h=9 m=32 s=10
